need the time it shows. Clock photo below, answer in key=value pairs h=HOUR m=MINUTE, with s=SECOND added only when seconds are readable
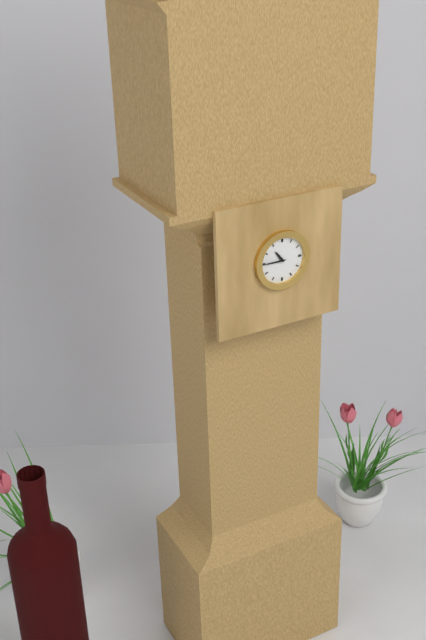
h=10 m=45
